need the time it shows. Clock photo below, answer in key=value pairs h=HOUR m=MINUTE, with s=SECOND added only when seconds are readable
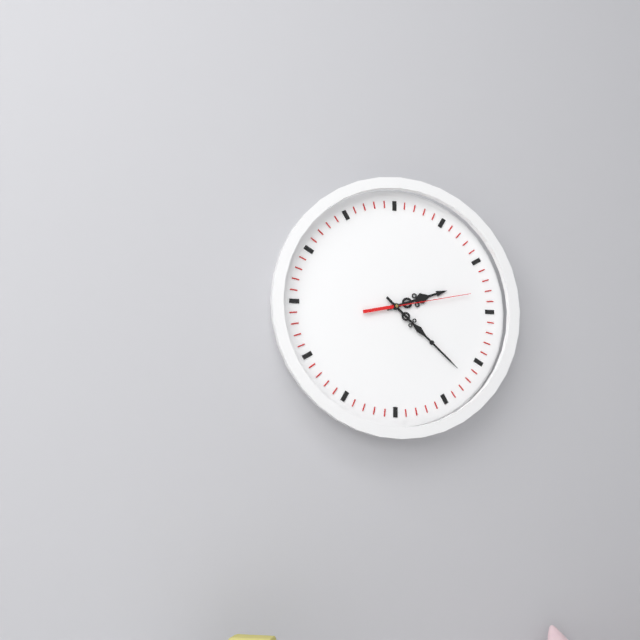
h=2 m=22 s=13
